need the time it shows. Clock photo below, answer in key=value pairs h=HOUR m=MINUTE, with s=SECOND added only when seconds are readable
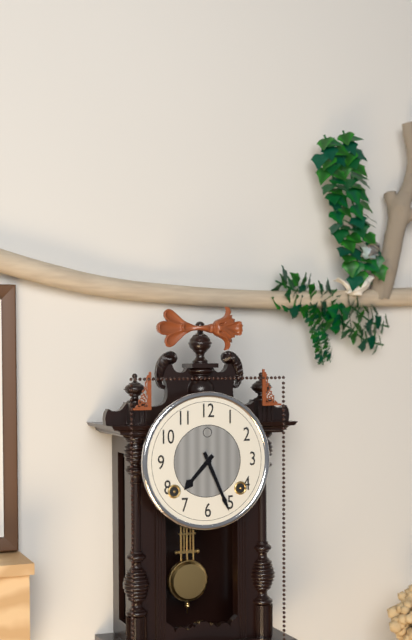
h=7 m=26
